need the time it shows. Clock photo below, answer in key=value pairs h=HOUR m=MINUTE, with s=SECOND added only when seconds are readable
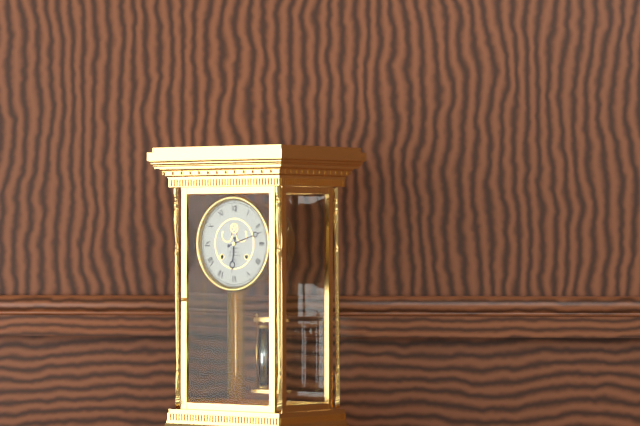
h=6 m=12
